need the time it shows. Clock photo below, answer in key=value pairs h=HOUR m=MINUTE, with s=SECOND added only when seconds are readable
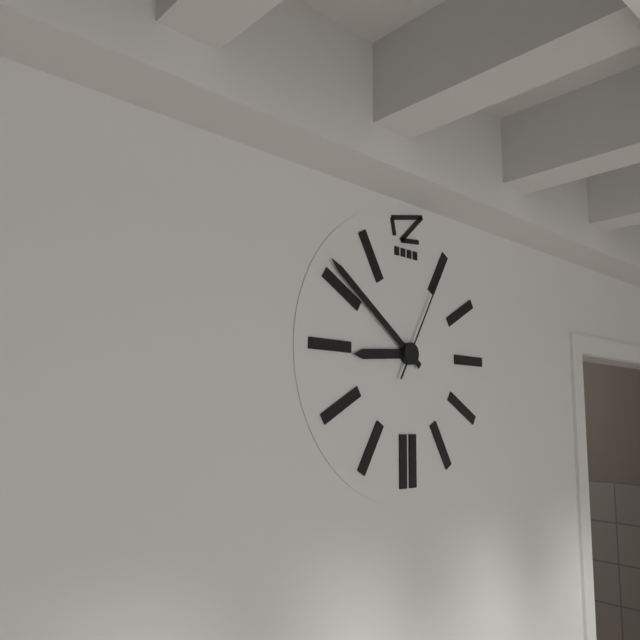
h=8 m=51 s=5
